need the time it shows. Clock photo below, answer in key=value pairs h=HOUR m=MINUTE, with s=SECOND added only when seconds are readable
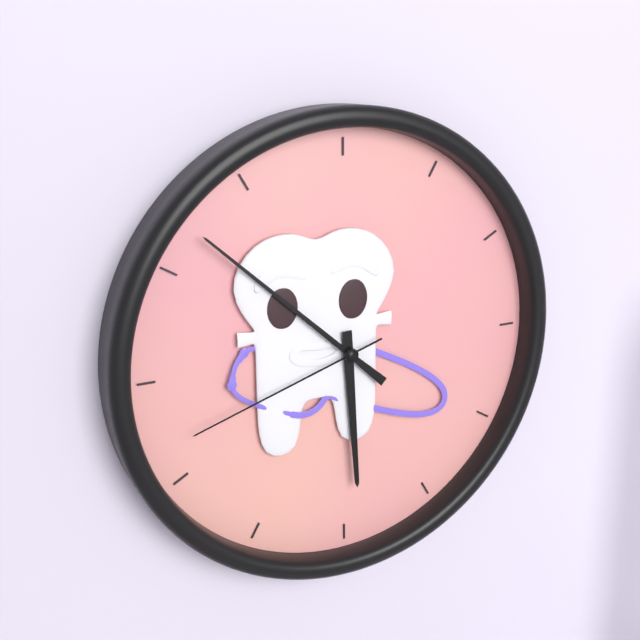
h=5 m=52 s=42
